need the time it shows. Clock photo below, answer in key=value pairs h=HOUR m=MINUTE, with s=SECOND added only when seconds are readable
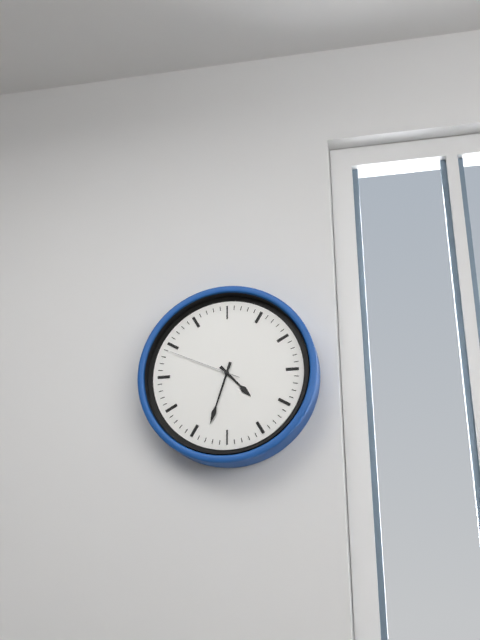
h=4 m=33 s=49
